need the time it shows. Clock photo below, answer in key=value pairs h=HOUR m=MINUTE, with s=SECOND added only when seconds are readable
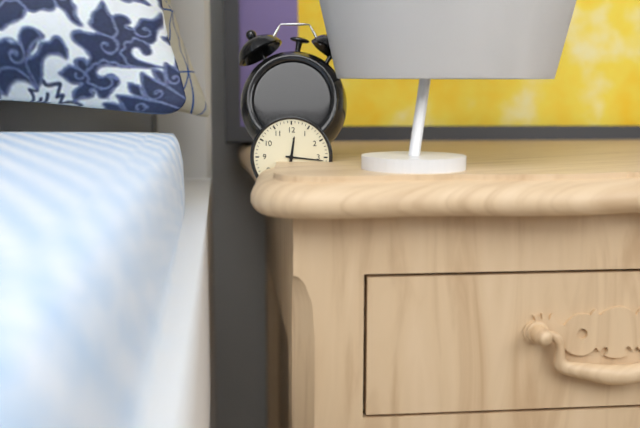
h=12 m=16
